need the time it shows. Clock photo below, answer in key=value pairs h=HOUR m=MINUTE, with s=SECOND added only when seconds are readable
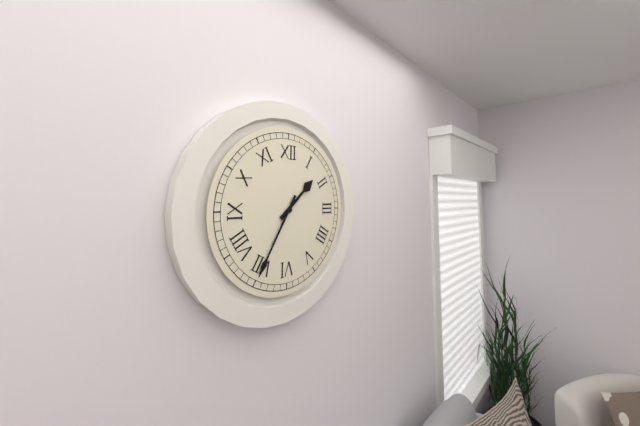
h=1 m=35
